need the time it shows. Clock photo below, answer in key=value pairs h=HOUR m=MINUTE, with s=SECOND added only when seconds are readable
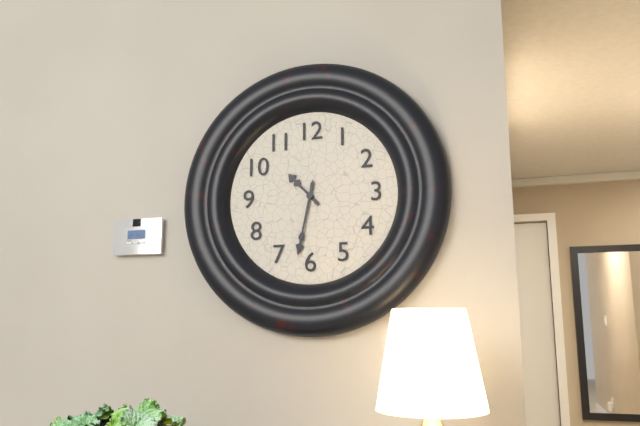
h=10 m=32
